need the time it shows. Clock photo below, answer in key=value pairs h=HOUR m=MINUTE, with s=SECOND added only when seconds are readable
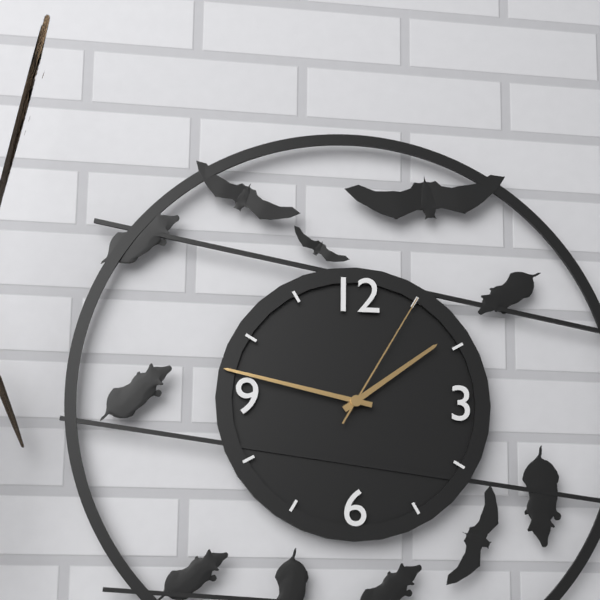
h=1 m=47 s=5
